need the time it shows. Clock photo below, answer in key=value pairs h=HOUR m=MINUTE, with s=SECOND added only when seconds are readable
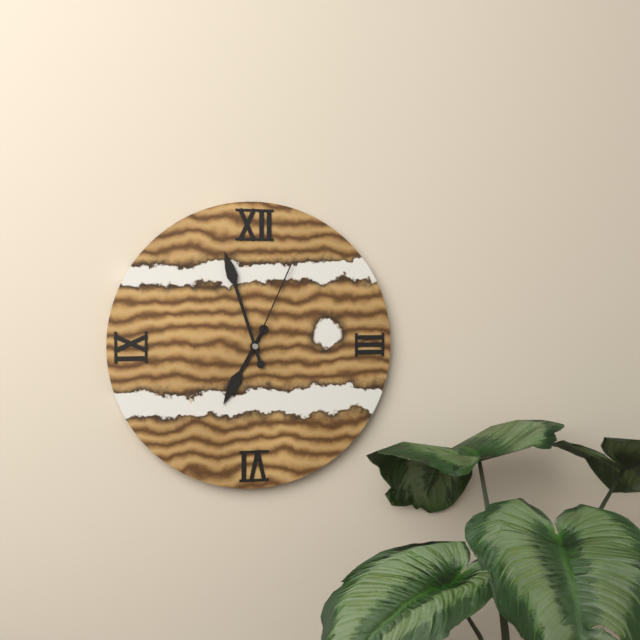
h=6 m=57 s=4
